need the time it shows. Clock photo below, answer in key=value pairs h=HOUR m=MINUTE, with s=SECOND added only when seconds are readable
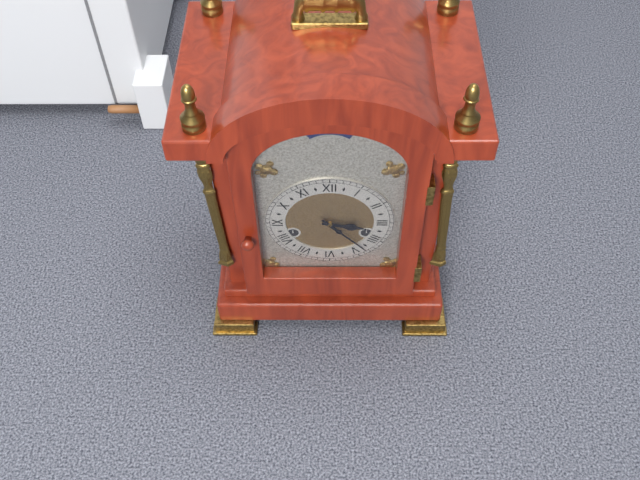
h=3 m=23
